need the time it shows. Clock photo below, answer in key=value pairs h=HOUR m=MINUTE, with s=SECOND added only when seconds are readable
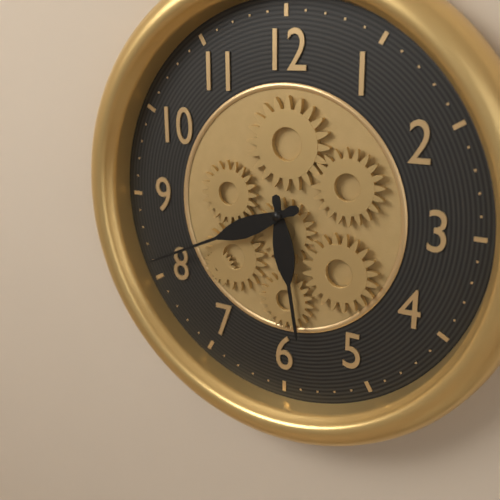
h=5 m=41
